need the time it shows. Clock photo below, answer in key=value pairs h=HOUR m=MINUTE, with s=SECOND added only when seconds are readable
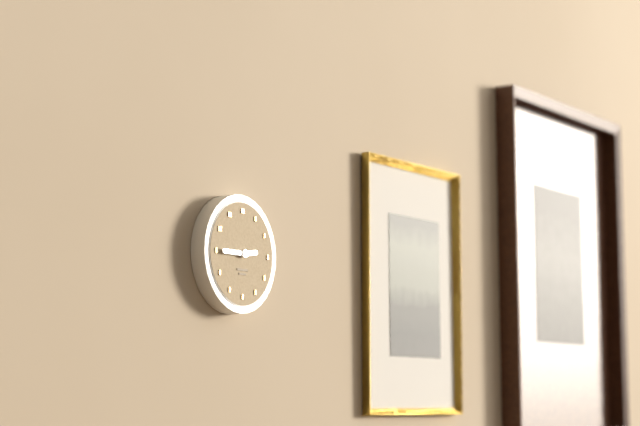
h=2 m=45
